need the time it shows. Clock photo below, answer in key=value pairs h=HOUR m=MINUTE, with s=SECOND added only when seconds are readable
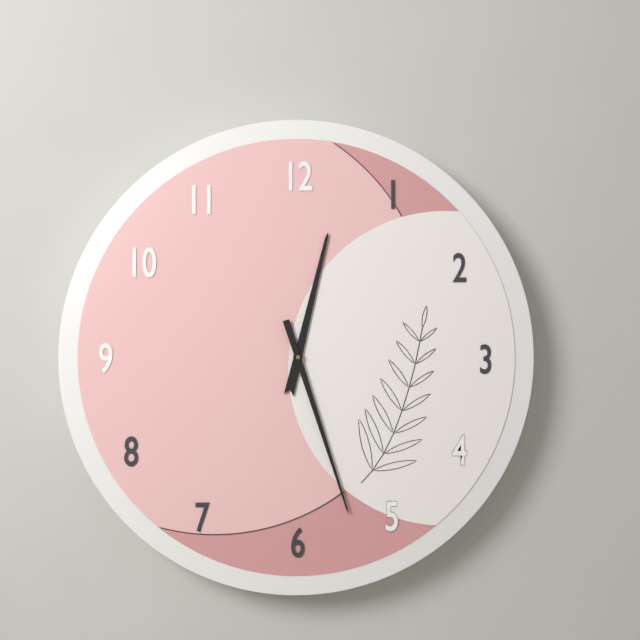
h=12 m=27
